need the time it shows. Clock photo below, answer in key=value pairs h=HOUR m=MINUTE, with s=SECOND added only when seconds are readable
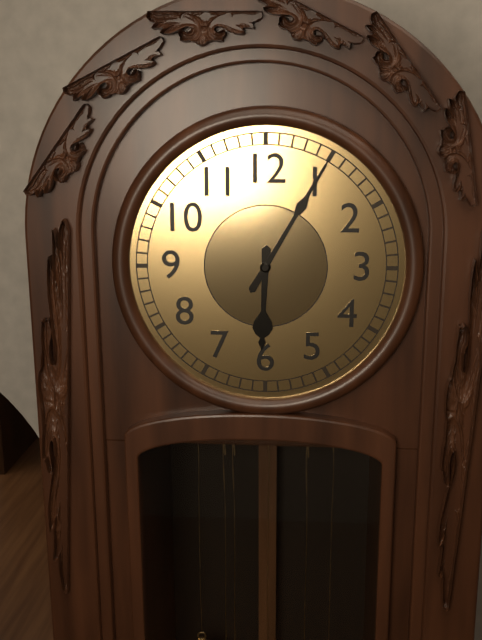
h=6 m=5
